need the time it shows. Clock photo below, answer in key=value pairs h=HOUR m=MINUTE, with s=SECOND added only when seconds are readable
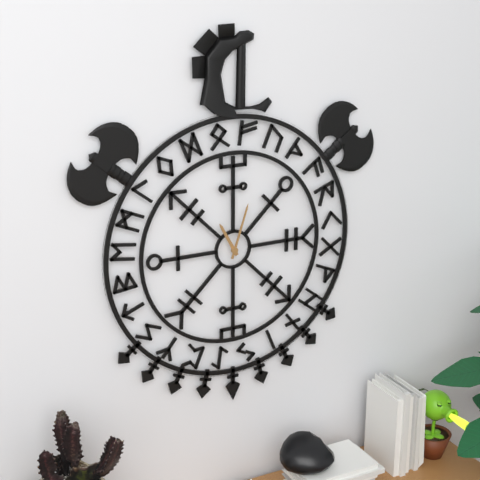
h=11 m=3
